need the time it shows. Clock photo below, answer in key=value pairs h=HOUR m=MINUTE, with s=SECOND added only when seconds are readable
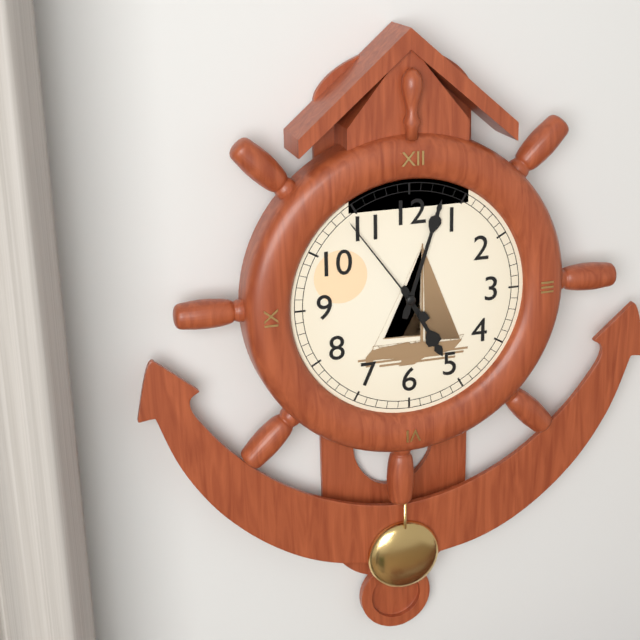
h=5 m=3 s=54
